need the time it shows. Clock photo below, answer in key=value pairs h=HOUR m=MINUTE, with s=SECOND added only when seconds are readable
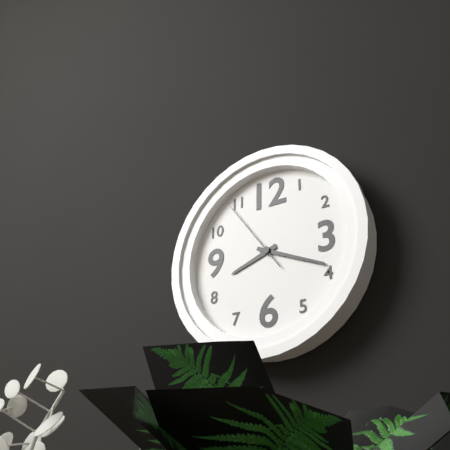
h=8 m=19 s=54
